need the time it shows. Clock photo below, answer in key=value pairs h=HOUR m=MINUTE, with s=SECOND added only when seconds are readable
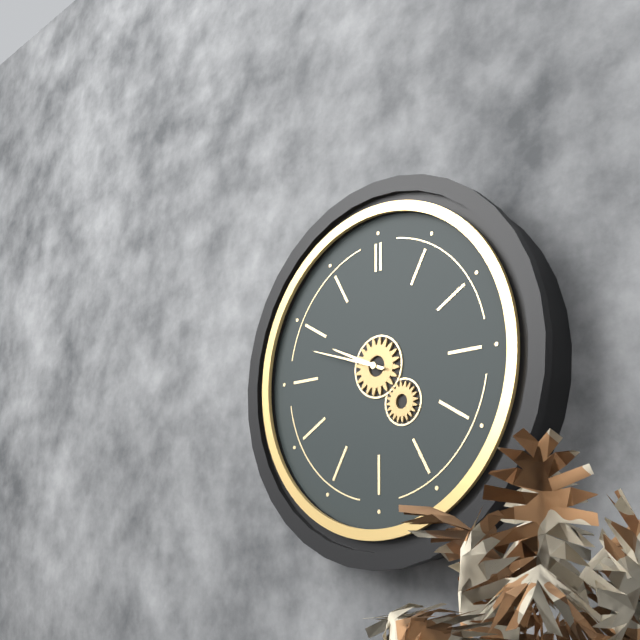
h=9 m=48
